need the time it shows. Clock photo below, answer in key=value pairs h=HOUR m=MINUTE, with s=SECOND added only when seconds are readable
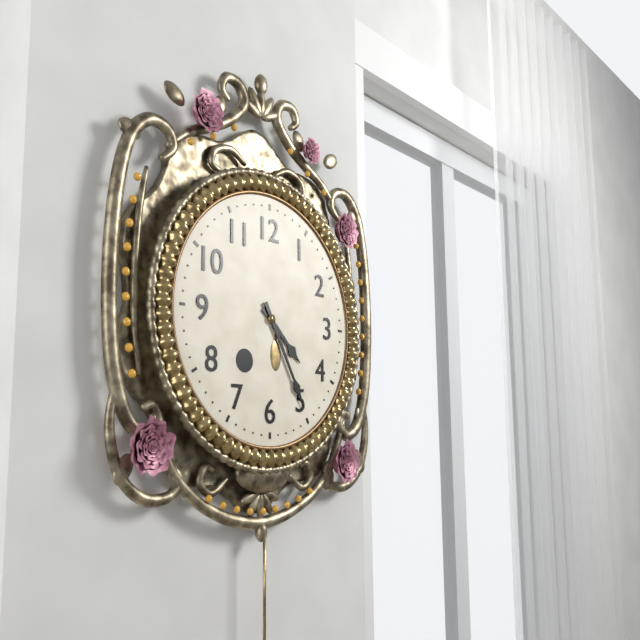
h=4 m=25
